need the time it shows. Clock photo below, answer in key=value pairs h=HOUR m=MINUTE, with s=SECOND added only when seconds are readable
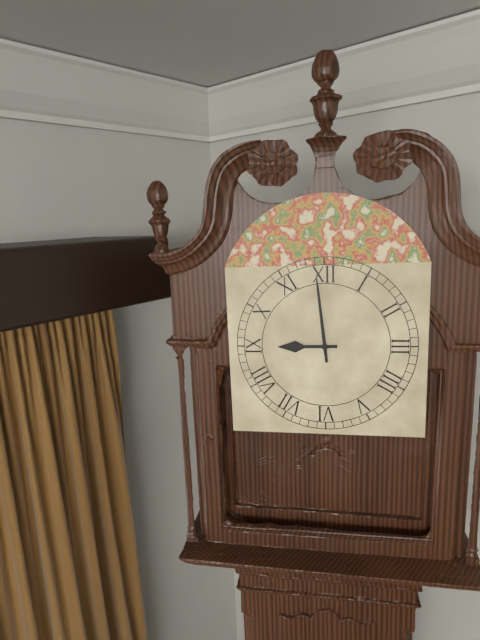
h=8 m=59
